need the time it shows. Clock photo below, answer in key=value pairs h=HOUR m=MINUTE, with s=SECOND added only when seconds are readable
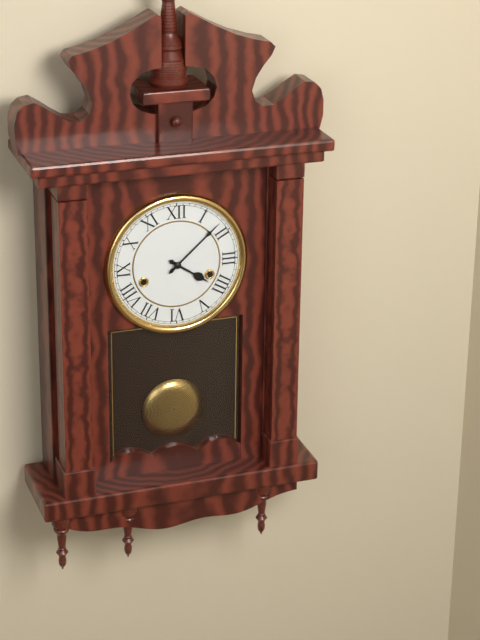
h=4 m=8
